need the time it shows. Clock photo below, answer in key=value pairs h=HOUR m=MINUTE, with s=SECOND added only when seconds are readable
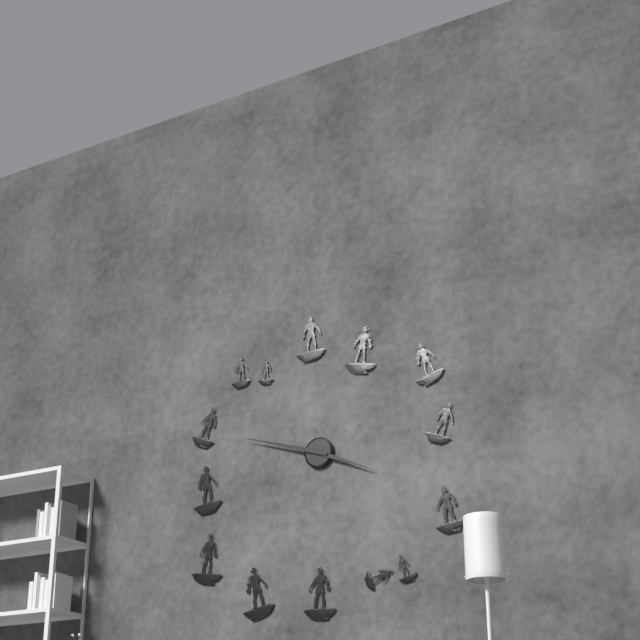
h=3 m=48
